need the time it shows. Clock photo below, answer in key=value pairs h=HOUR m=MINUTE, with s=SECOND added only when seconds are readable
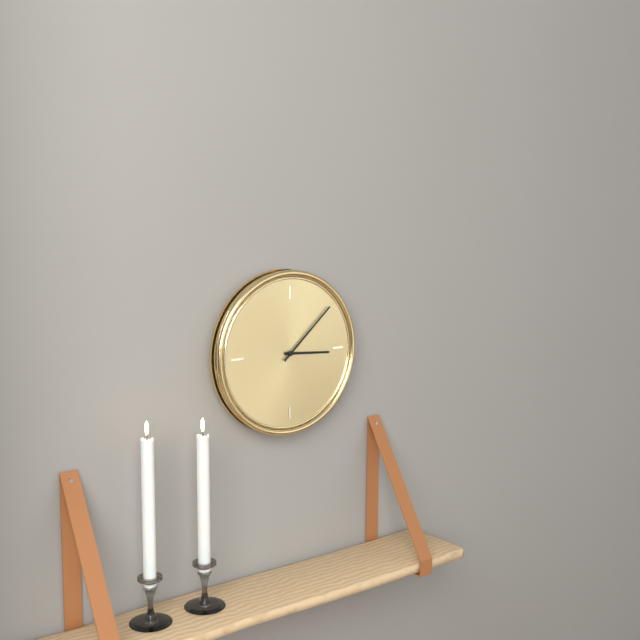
h=3 m=8
